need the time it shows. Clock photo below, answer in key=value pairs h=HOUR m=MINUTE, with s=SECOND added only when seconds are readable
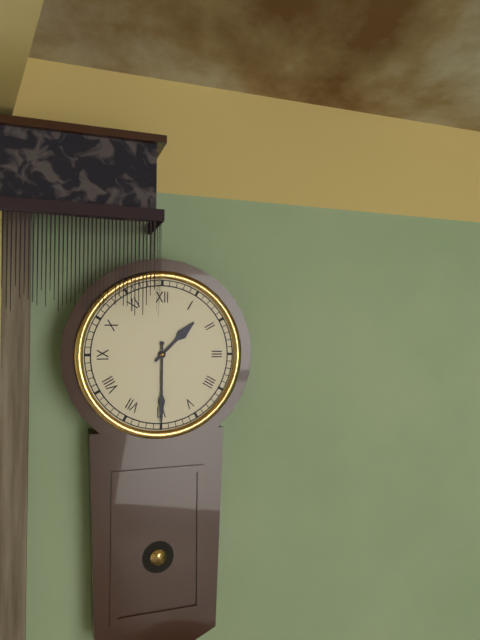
h=1 m=30
